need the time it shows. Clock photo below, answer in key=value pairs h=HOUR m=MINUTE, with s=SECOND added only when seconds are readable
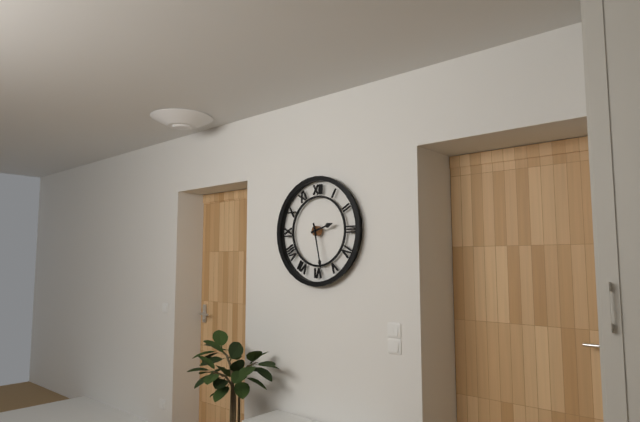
h=2 m=28
